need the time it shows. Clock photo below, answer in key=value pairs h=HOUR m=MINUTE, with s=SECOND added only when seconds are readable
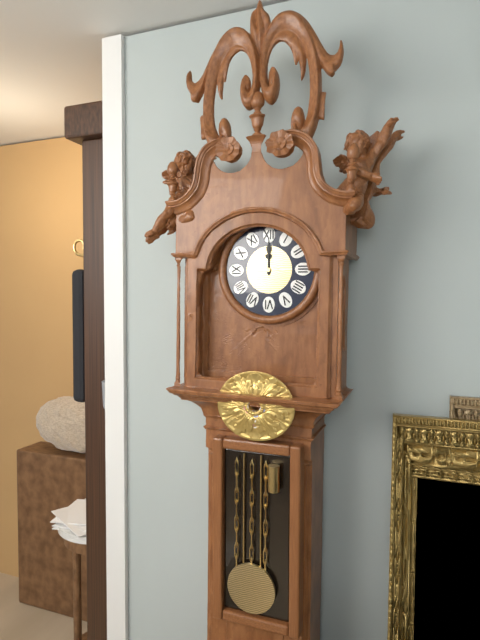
h=12 m=0
